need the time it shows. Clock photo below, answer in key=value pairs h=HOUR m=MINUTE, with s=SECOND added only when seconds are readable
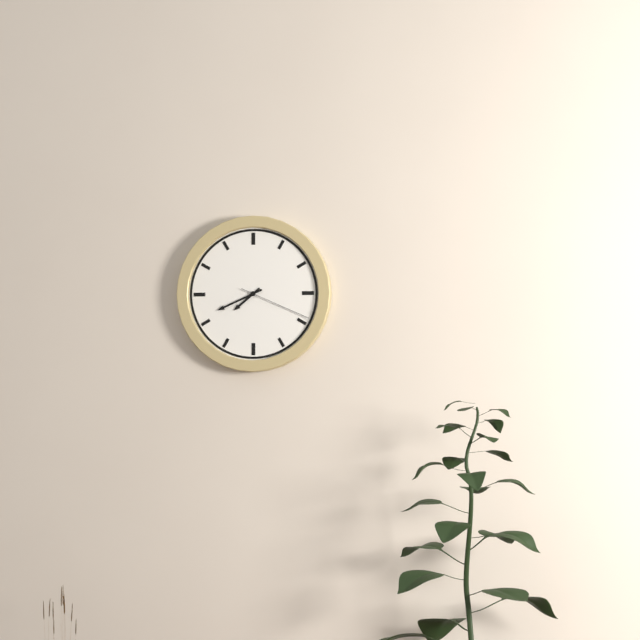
h=7 m=41 s=19
